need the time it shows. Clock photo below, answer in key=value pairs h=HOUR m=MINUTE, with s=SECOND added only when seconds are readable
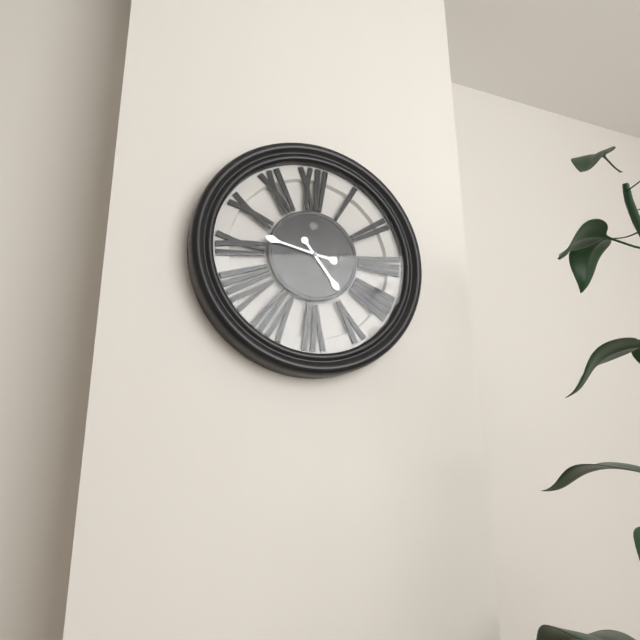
h=4 m=47
